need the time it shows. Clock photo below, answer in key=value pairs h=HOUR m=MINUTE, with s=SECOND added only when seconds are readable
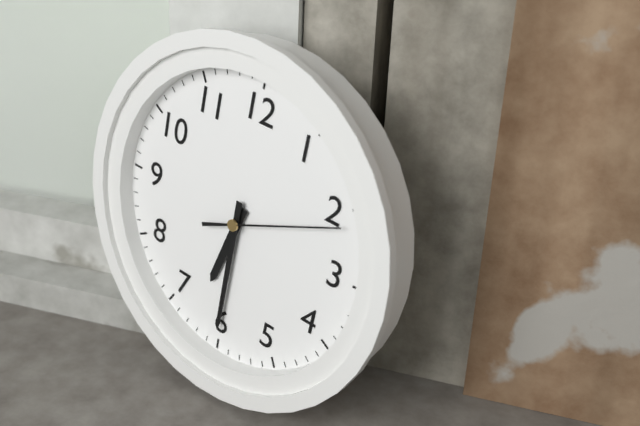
h=6 m=30 s=11
